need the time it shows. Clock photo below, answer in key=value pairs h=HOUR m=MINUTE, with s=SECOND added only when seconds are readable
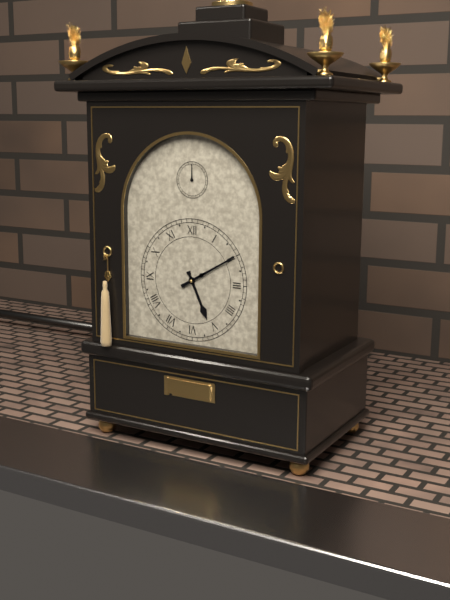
h=5 m=10
